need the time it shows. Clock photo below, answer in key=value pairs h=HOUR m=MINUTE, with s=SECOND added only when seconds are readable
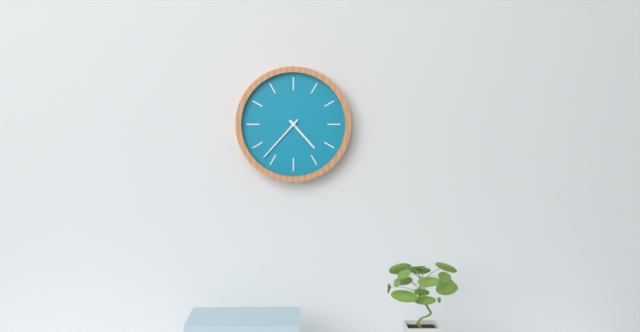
h=4 m=37
